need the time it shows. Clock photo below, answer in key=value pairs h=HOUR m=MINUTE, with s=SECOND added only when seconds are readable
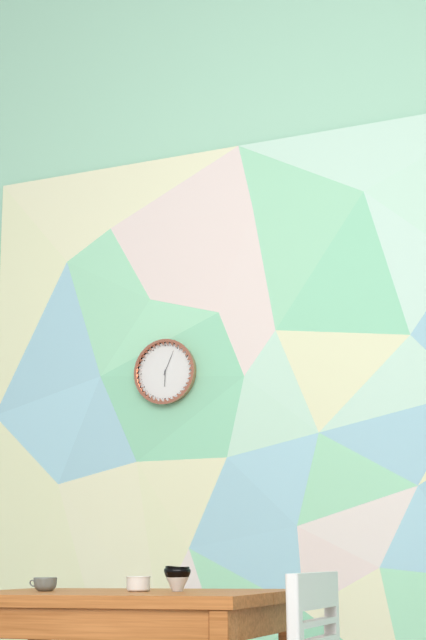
h=6 m=4
